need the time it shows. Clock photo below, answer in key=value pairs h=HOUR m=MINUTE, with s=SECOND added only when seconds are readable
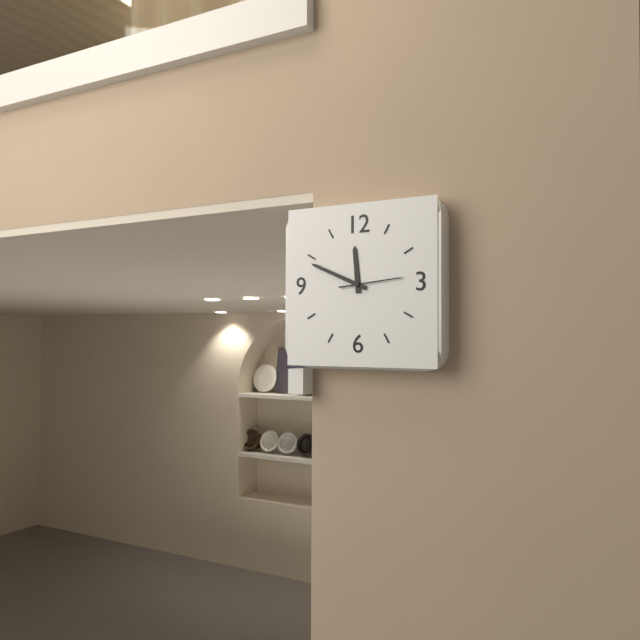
h=11 m=49 s=14
